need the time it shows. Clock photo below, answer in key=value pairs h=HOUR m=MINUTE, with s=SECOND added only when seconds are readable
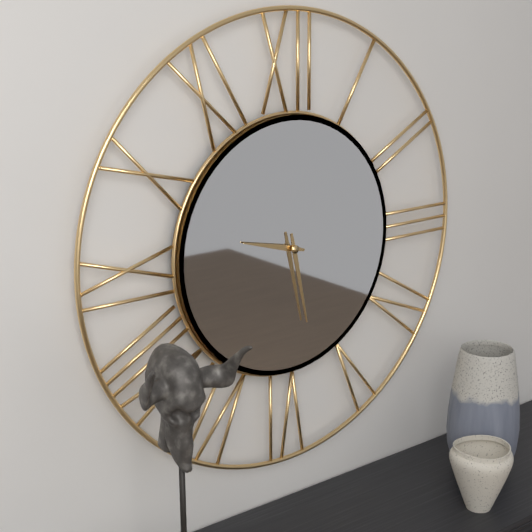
h=9 m=28
